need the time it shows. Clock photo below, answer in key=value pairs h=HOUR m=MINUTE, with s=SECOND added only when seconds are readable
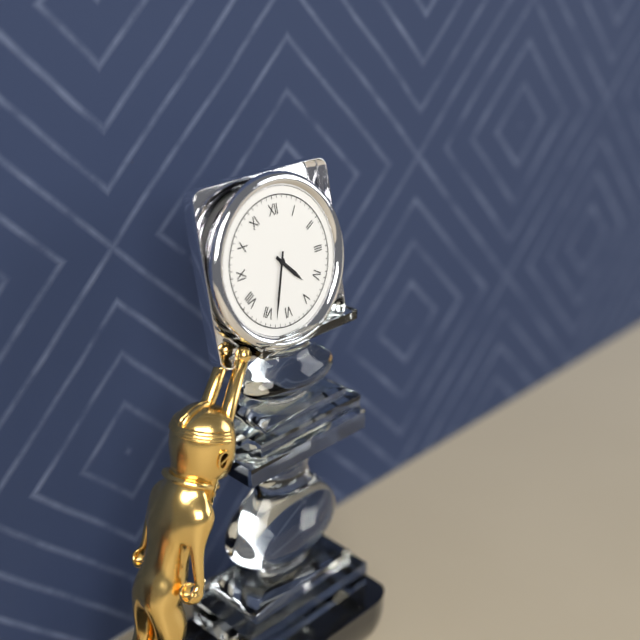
h=4 m=33
